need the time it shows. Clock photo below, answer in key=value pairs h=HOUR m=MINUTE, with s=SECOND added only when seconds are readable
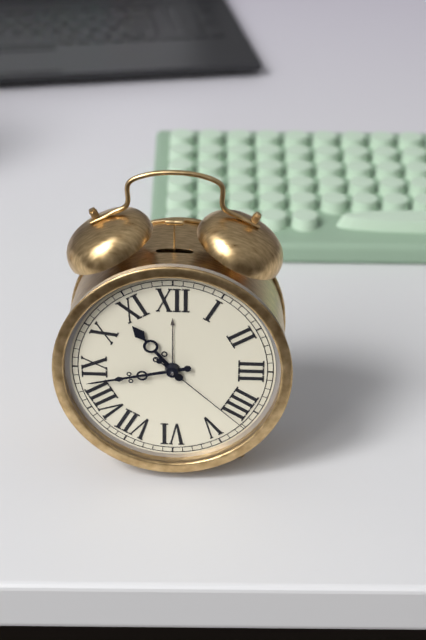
h=10 m=43 s=22
